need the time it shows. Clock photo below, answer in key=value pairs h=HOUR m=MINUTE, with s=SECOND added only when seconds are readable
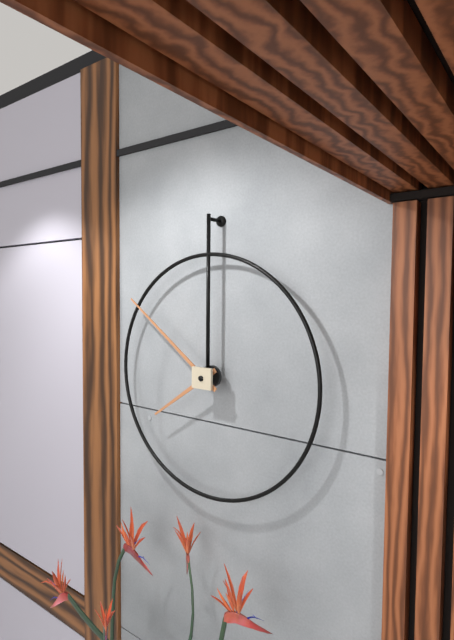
h=7 m=51
